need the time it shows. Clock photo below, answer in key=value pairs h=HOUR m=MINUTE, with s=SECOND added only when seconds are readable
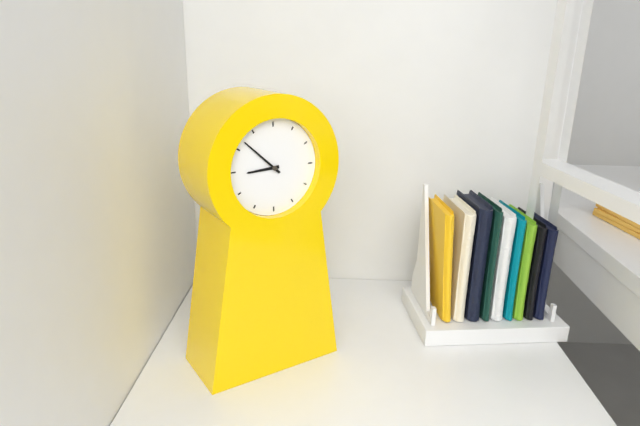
h=8 m=52
